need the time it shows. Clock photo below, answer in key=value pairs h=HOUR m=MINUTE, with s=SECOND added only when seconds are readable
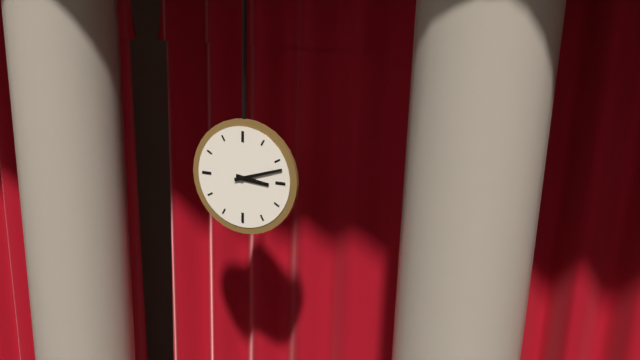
h=3 m=12
